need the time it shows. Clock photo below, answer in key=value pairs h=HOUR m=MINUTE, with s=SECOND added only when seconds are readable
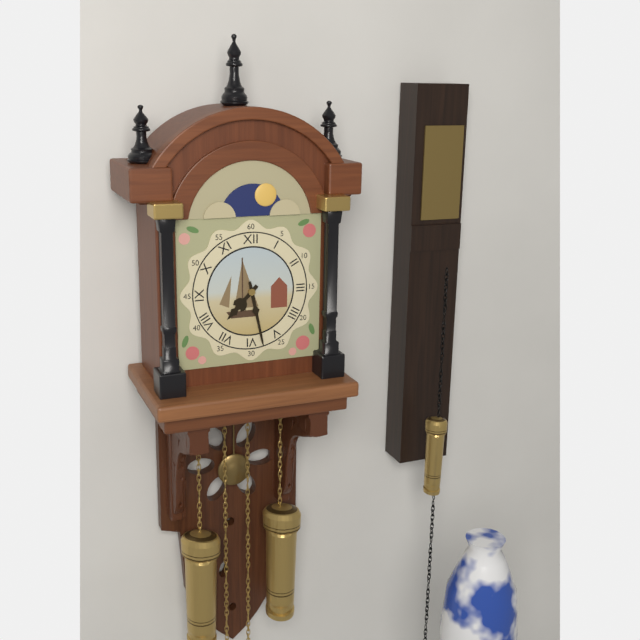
h=7 m=28
